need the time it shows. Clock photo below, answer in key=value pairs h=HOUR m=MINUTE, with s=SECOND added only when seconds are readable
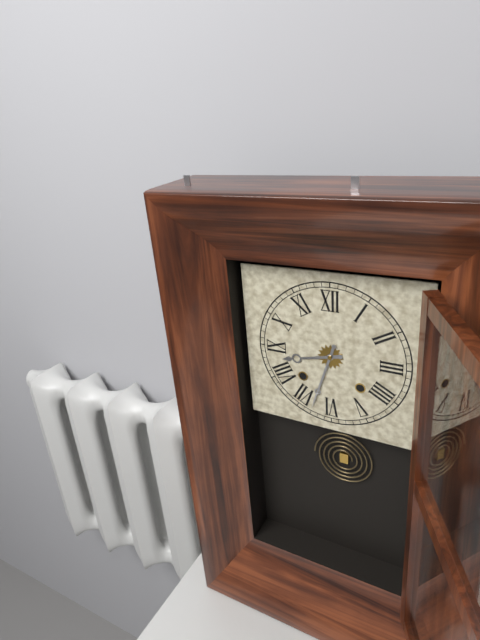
h=8 m=33
